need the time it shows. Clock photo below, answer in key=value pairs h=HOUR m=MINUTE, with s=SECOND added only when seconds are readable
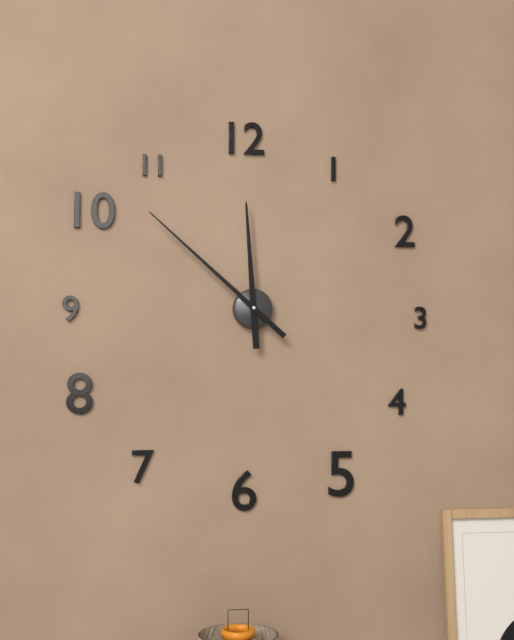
h=11 m=52
